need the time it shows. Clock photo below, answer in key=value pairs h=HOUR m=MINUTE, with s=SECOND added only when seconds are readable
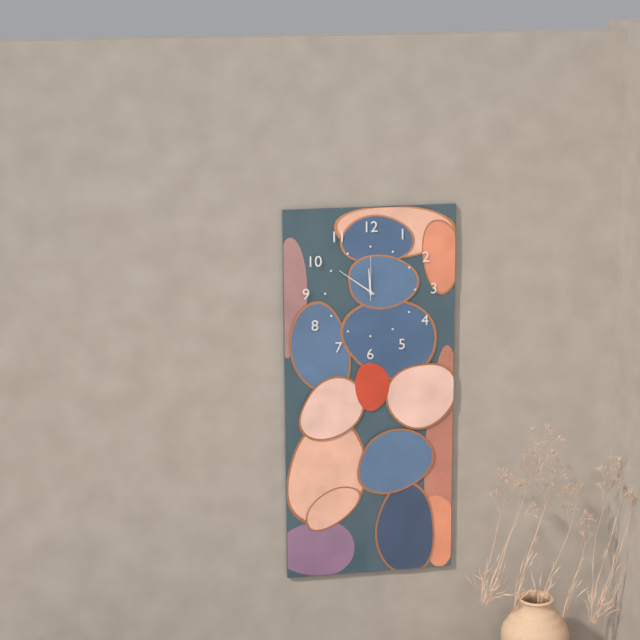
h=11 m=51
